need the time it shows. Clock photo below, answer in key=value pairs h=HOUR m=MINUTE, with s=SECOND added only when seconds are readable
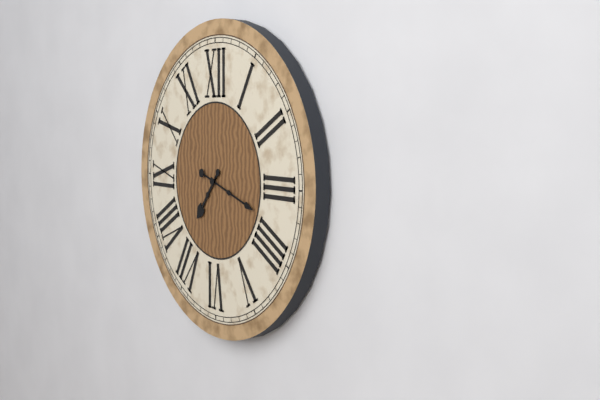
h=7 m=18
